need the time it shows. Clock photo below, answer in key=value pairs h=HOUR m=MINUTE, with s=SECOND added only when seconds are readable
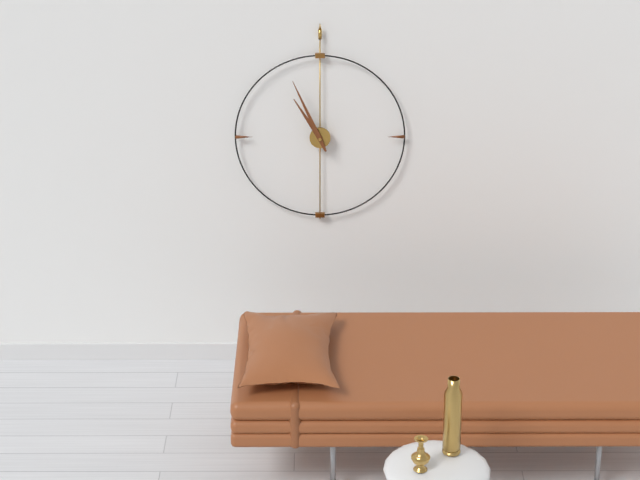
h=10 m=56
